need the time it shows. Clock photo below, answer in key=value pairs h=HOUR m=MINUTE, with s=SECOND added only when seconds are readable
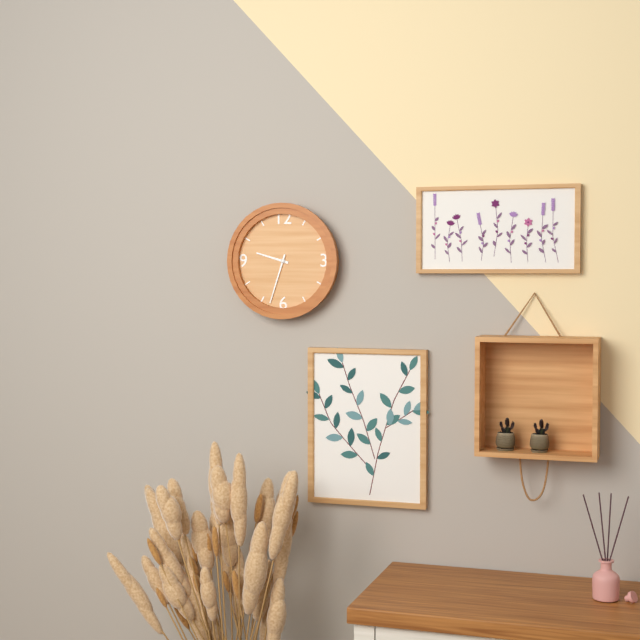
h=9 m=33
